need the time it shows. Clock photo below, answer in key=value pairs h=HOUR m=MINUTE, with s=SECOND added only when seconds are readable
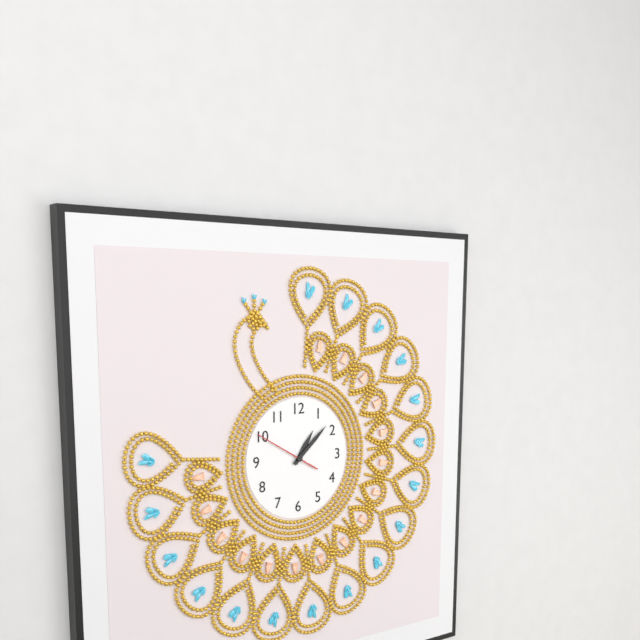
h=1 m=8 s=50
